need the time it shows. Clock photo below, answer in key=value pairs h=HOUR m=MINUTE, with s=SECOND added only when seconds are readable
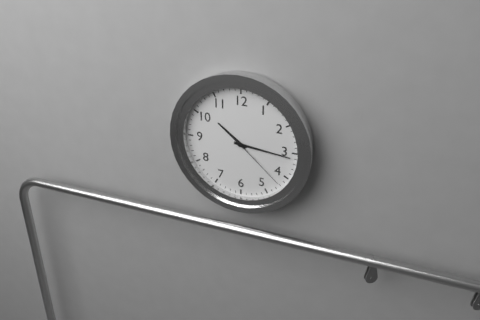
h=10 m=16 s=22
